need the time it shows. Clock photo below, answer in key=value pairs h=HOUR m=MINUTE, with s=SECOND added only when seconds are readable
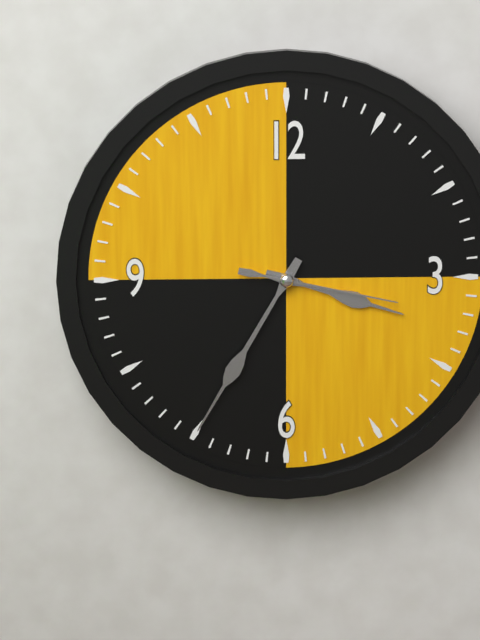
h=3 m=35 s=17
